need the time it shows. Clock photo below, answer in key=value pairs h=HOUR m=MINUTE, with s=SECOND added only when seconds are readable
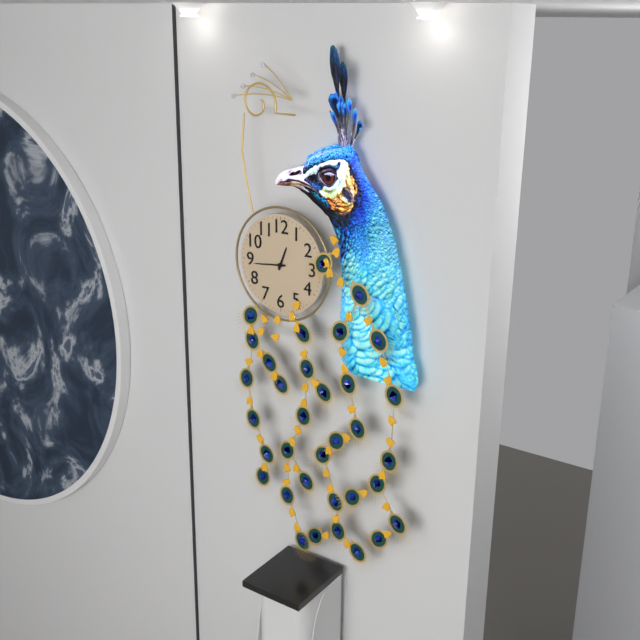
h=12 m=44
